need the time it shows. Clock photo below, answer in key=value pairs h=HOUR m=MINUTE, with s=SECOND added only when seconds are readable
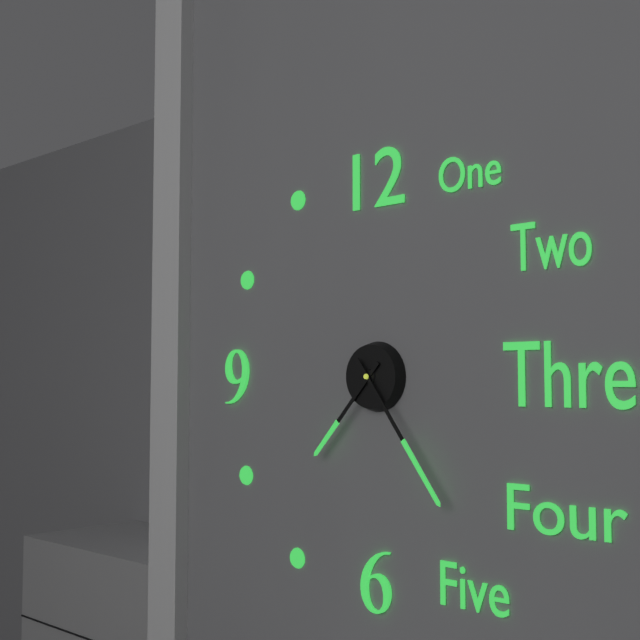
h=7 m=24
